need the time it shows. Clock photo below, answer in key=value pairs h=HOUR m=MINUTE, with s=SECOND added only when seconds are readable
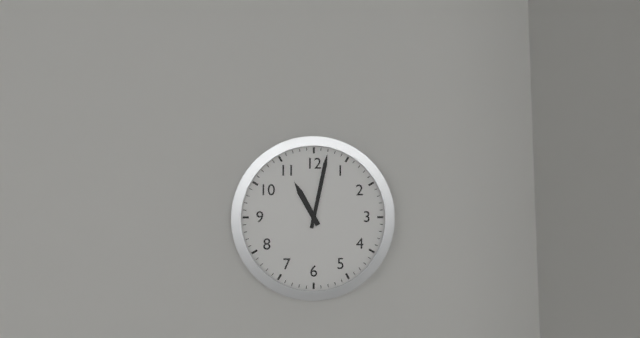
h=11 m=2
